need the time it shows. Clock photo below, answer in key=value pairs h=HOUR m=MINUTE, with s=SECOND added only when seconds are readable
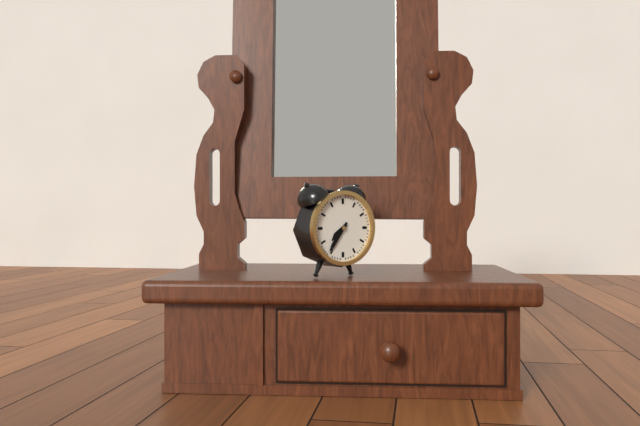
h=7 m=36
